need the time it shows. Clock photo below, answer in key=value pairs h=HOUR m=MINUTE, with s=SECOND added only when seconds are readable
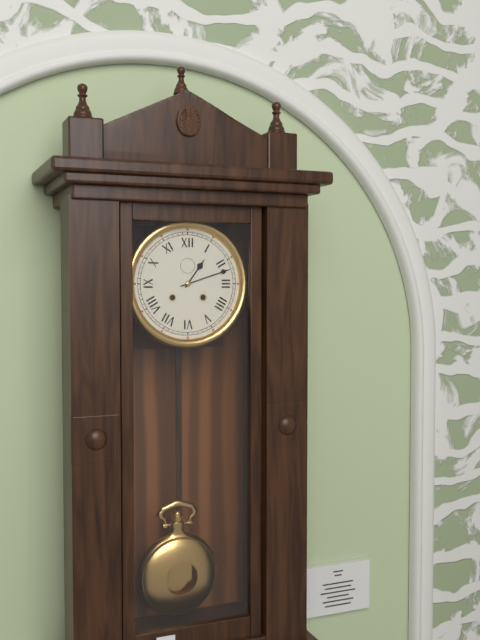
h=1 m=12
